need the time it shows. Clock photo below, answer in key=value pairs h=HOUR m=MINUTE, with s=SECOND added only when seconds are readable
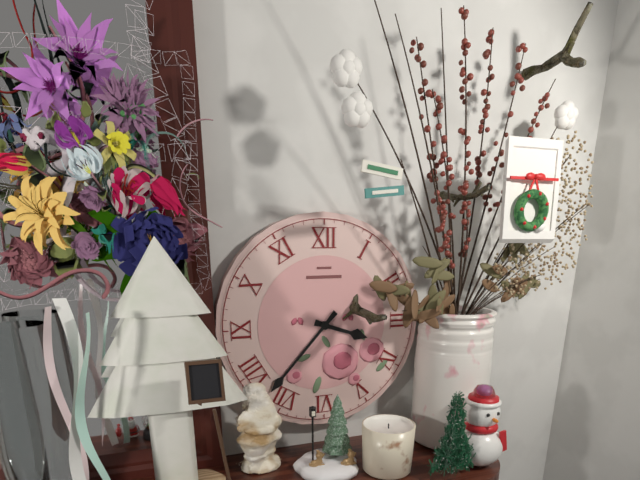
h=3 m=37
